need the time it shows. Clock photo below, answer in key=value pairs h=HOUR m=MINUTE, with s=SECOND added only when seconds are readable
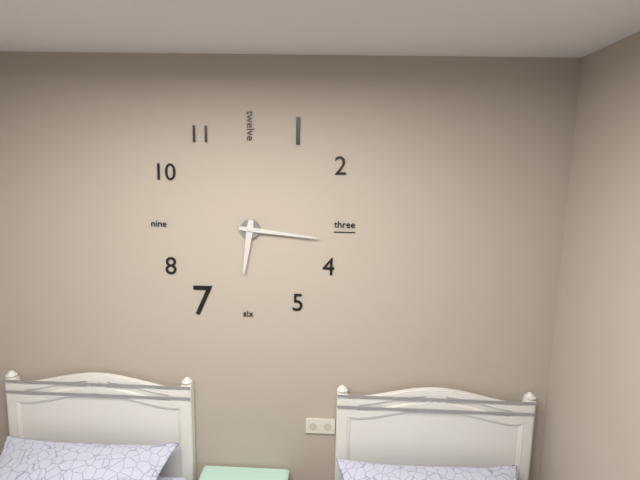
h=6 m=16
